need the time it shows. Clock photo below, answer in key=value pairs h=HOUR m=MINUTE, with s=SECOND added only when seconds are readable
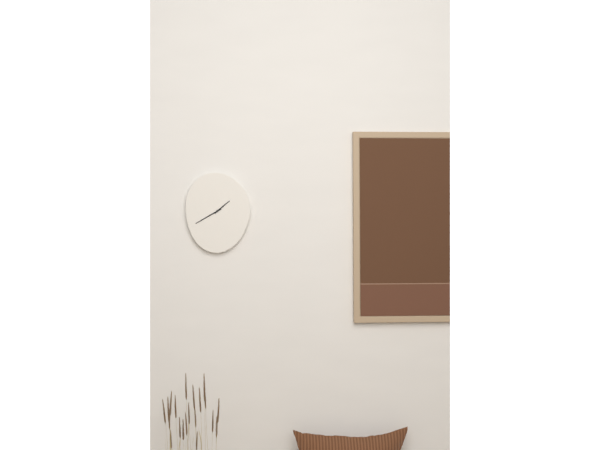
h=1 m=40
